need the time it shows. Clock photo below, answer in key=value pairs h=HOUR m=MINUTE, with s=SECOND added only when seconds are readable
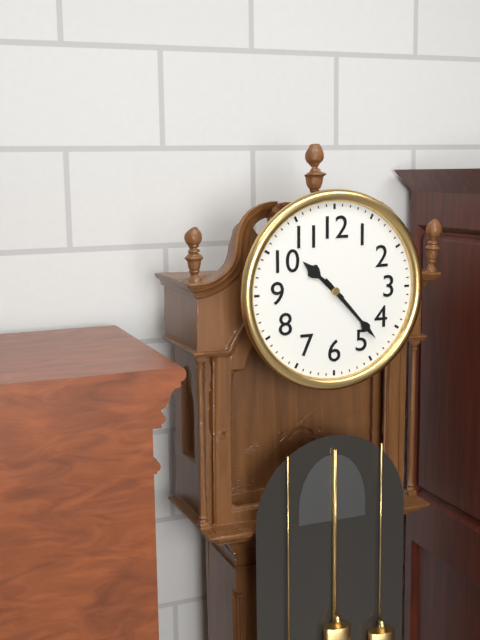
h=10 m=23
